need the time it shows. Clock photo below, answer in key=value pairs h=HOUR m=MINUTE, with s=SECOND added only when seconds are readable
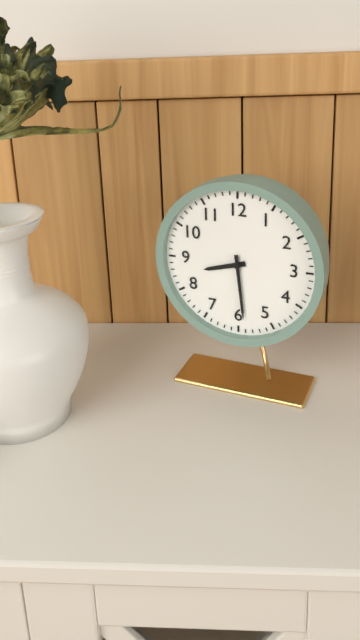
h=8 m=29
